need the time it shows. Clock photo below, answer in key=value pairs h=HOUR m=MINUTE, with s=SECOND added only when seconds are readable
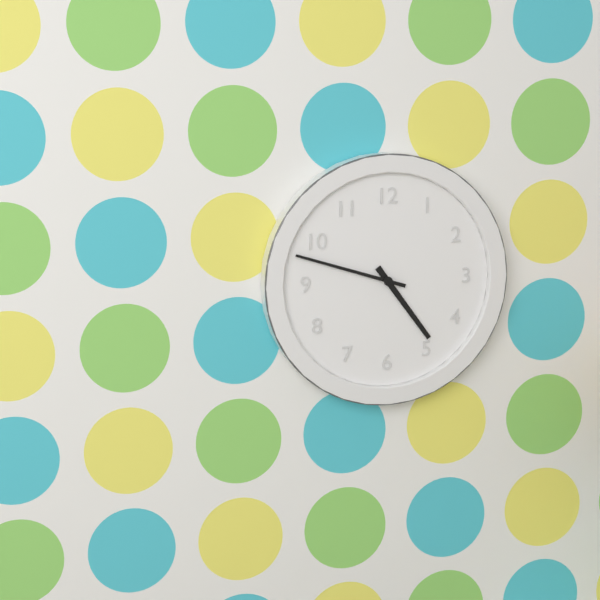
h=4 m=48
